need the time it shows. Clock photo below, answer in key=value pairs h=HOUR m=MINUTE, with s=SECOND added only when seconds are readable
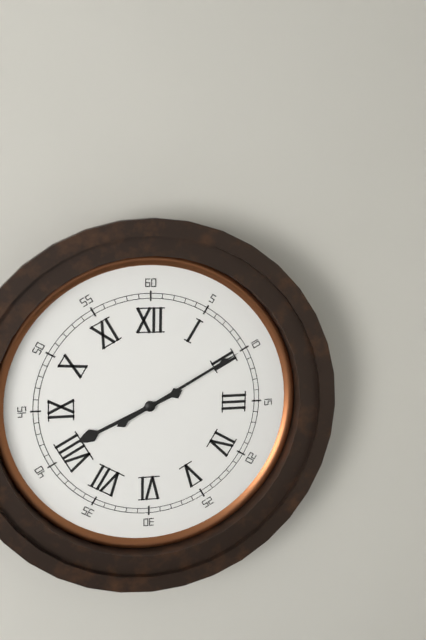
h=8 m=10
